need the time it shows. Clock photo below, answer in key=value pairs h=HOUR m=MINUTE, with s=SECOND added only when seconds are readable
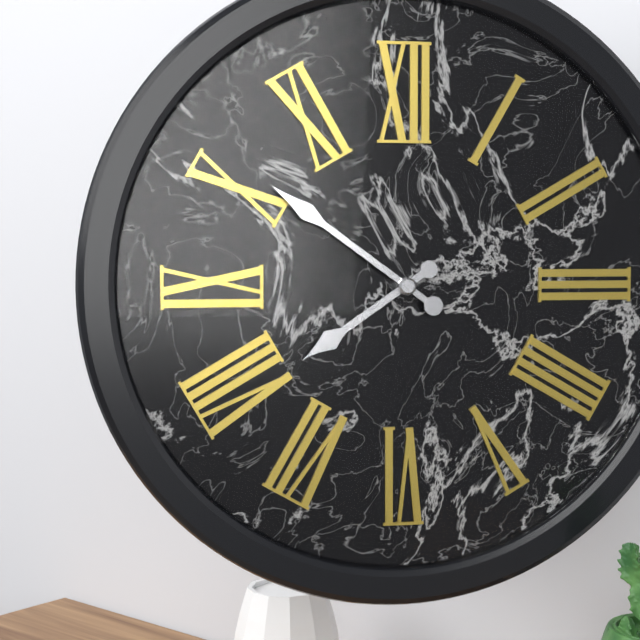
h=7 m=51
